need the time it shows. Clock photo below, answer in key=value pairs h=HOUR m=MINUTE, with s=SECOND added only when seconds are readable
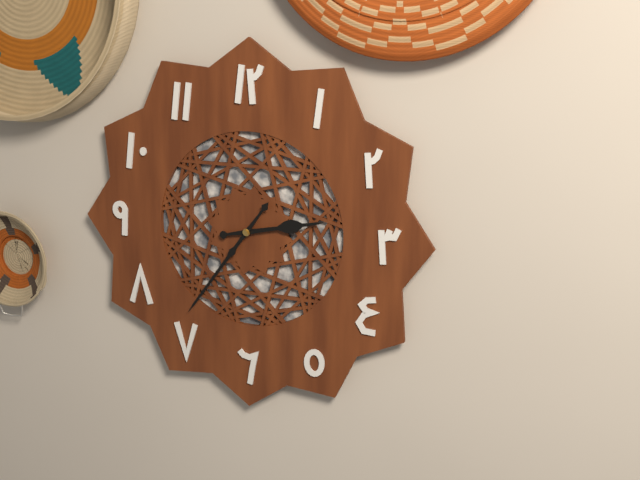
h=2 m=36
